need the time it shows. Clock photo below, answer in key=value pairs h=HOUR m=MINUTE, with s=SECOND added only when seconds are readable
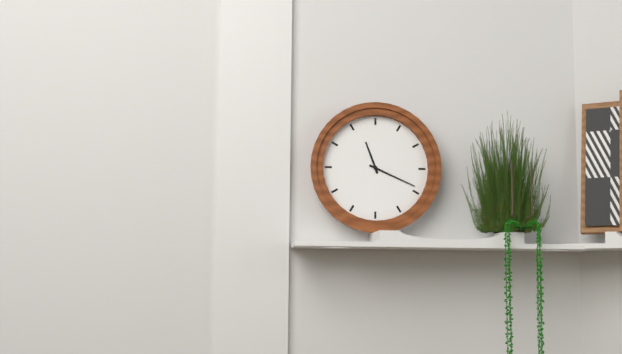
h=11 m=19
